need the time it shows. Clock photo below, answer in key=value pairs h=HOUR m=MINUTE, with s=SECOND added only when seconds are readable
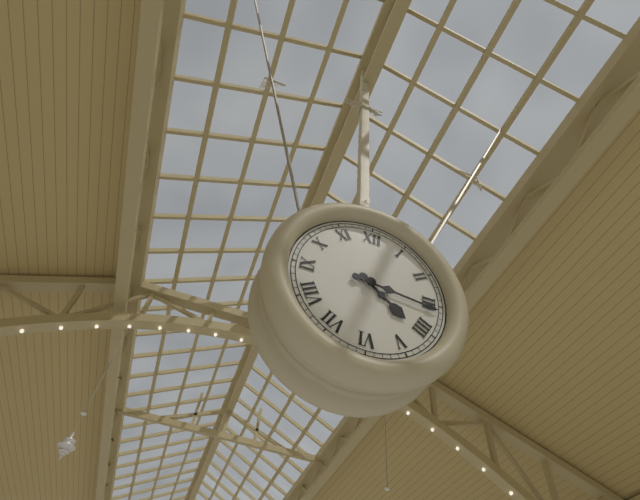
h=4 m=16
